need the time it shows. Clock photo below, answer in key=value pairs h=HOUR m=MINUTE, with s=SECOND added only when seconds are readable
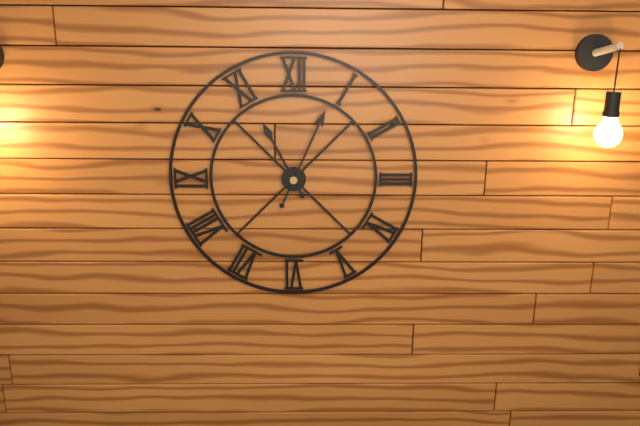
h=11 m=4
